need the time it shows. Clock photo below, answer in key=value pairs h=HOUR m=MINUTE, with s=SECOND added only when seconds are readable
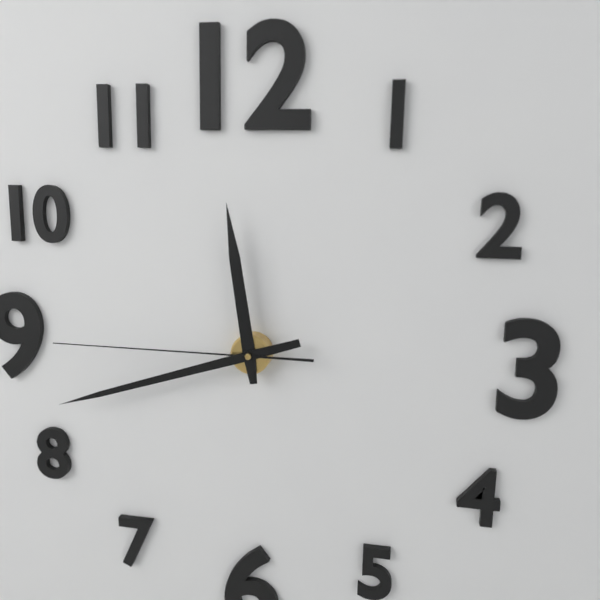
h=11 m=42 s=45
